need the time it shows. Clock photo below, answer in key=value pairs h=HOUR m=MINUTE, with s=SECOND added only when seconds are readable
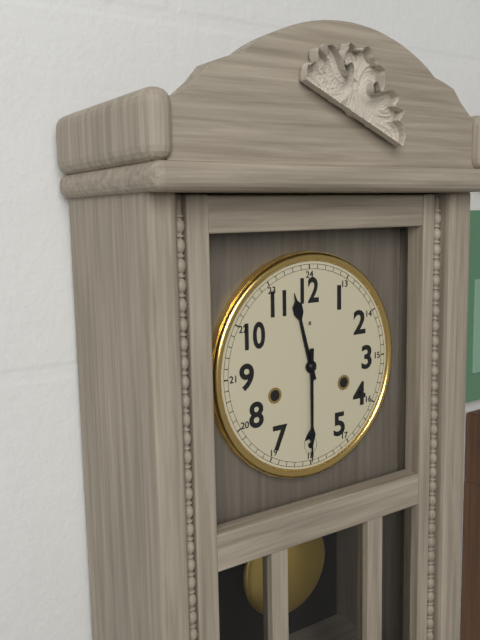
h=11 m=30
